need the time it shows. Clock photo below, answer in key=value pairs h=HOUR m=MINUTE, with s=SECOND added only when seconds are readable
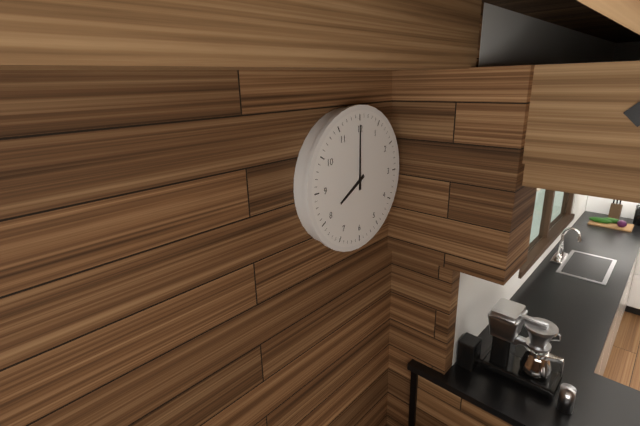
h=8 m=0
